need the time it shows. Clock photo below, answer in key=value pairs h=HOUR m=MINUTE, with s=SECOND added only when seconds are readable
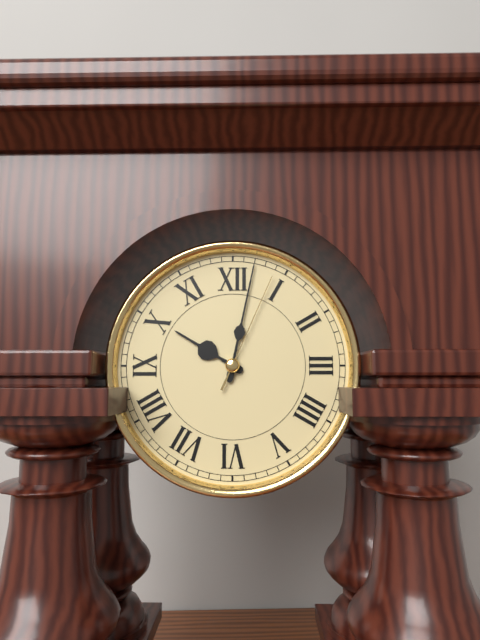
h=10 m=2 s=4
